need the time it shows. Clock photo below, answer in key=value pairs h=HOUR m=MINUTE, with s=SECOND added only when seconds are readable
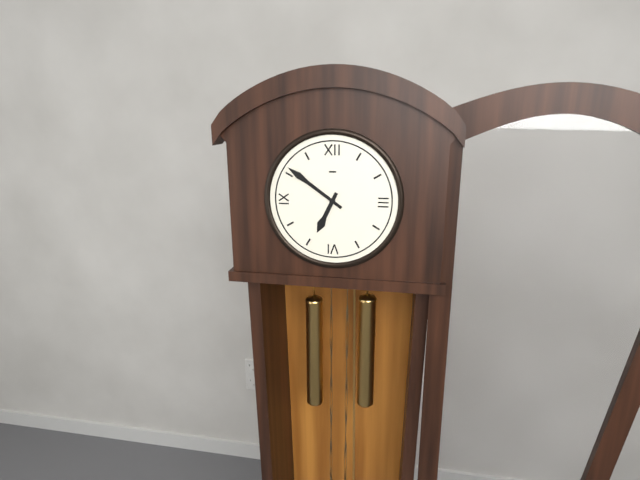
h=6 m=51
